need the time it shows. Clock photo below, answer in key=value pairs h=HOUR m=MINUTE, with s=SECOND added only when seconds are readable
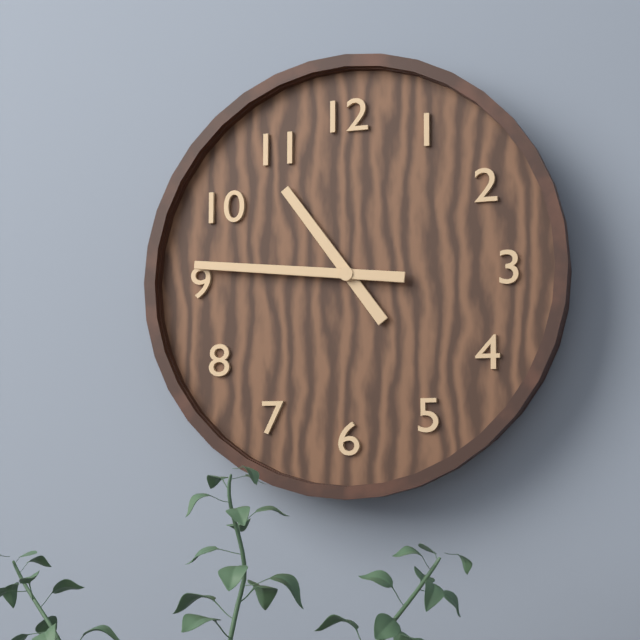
h=10 m=46
